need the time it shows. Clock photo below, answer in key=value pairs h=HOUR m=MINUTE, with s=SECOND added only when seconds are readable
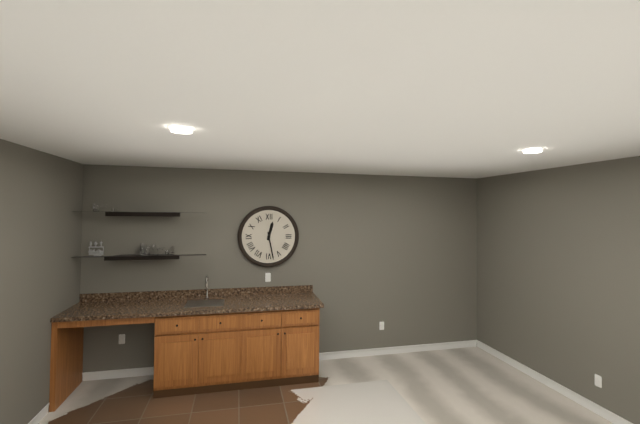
h=12 m=28
